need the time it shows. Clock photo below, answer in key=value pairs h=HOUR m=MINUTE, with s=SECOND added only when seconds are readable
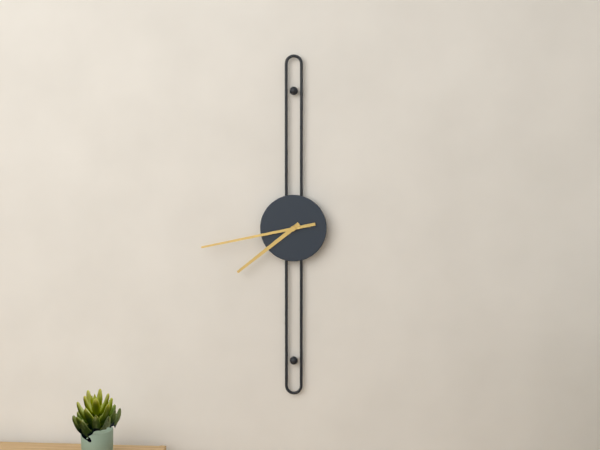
h=7 m=43
